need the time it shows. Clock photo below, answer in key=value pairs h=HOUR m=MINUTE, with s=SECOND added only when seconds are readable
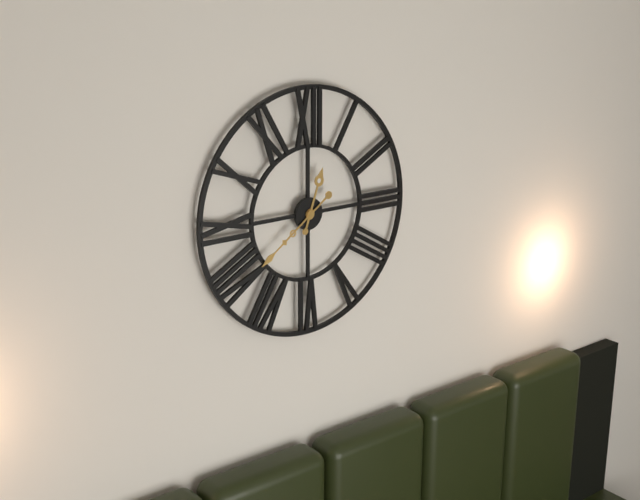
h=12 m=39
